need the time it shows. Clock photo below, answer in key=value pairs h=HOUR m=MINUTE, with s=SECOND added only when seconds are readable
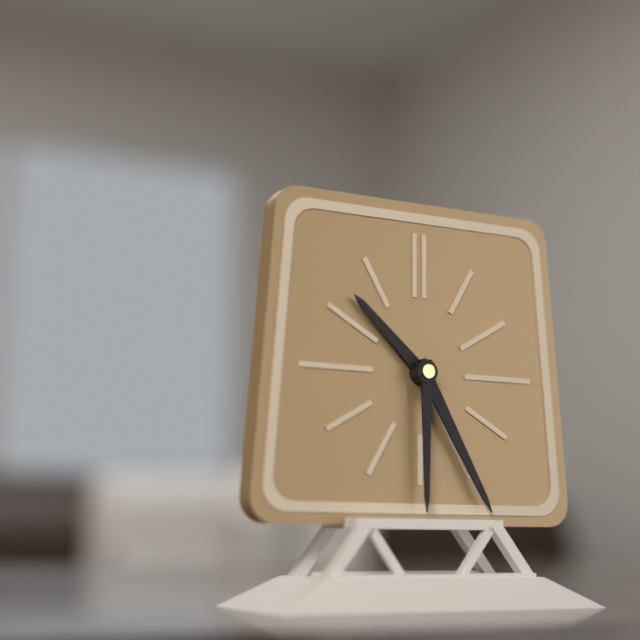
h=10 m=25 s=30
